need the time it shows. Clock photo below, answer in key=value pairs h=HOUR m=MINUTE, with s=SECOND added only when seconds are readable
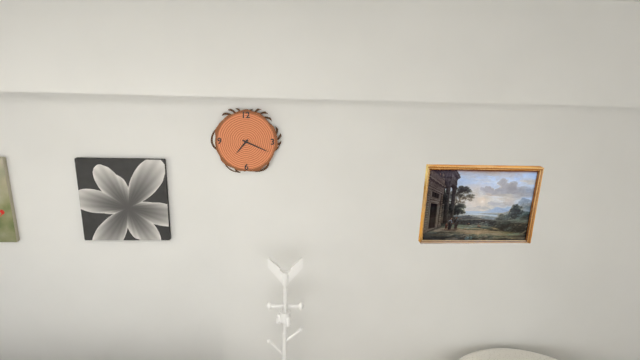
h=7 m=19
